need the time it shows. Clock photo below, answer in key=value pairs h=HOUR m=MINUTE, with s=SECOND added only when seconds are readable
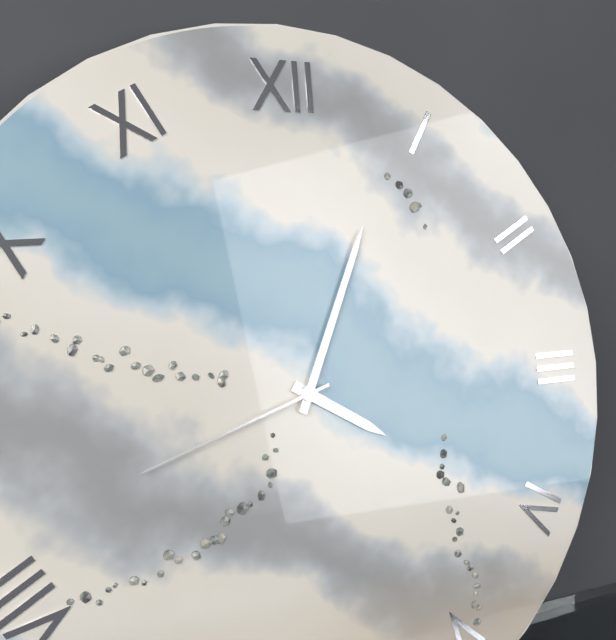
h=4 m=4 s=42
